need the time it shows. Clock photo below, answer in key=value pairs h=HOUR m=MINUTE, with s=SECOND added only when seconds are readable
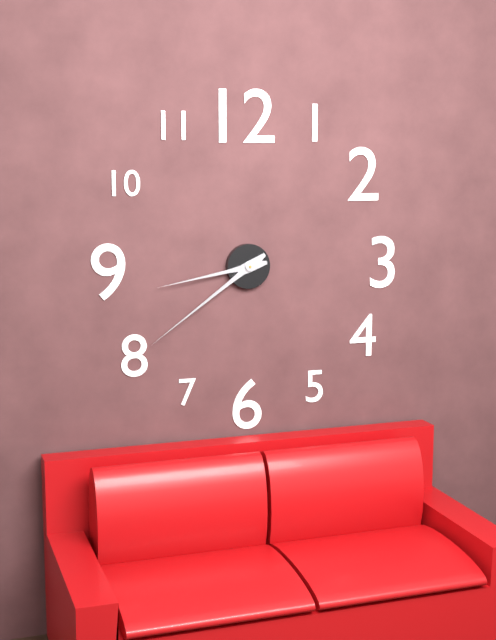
h=8 m=39
